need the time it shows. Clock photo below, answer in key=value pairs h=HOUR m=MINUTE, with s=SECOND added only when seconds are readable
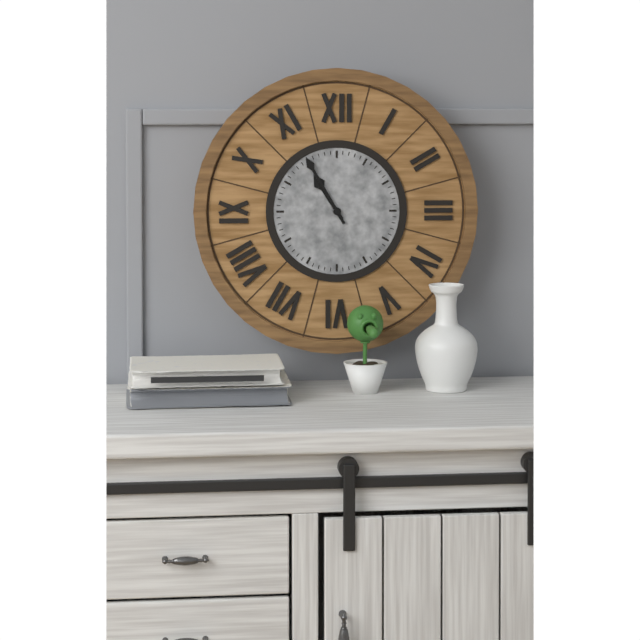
h=10 m=55
